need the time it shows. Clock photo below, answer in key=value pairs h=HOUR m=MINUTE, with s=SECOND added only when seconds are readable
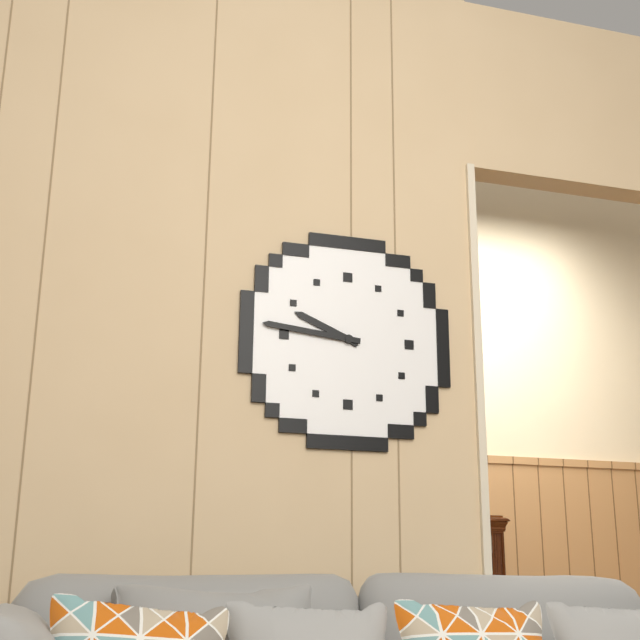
h=9 m=46
